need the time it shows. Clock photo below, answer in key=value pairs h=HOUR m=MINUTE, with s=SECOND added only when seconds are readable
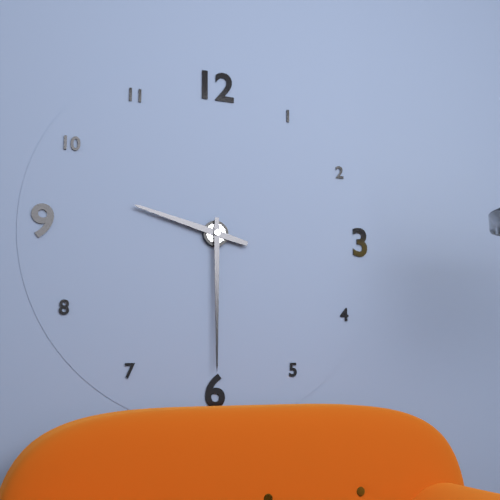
h=9 m=30
